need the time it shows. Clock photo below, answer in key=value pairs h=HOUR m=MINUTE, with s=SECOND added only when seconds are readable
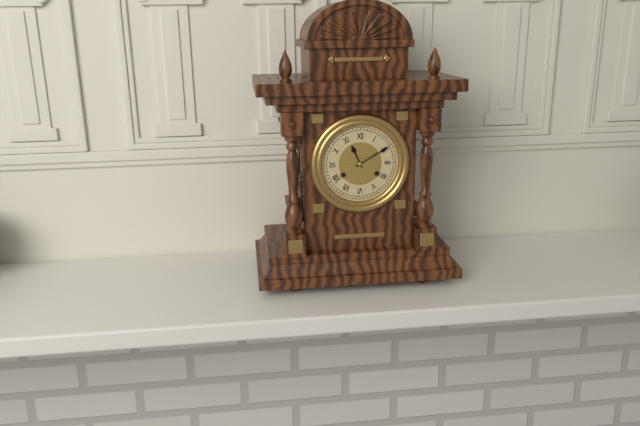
h=11 m=10
